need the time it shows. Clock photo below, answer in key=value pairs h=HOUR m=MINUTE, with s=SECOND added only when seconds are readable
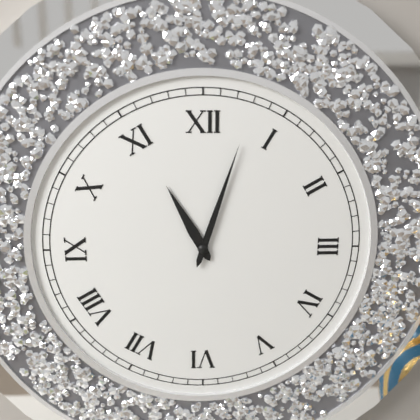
h=11 m=3
